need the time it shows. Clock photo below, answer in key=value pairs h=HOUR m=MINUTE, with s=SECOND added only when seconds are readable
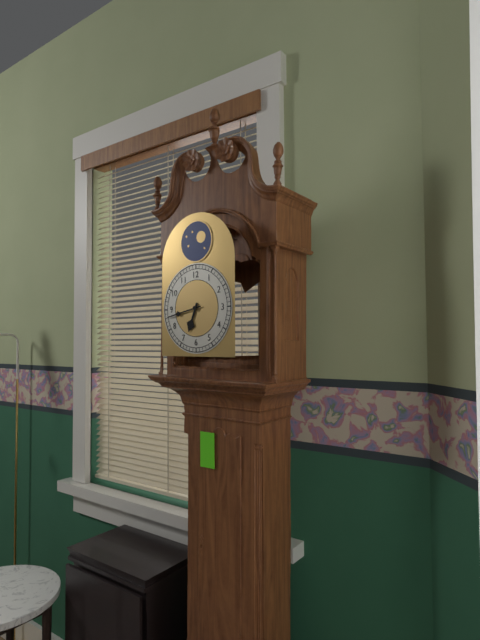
h=6 m=43
